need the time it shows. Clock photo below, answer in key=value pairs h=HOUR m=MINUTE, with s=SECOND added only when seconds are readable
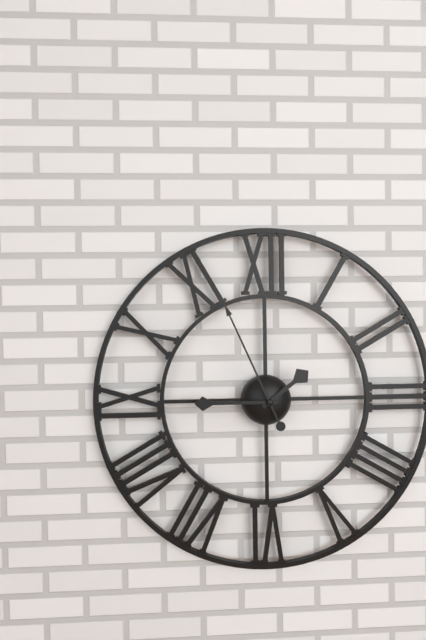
h=1 m=45 s=56
